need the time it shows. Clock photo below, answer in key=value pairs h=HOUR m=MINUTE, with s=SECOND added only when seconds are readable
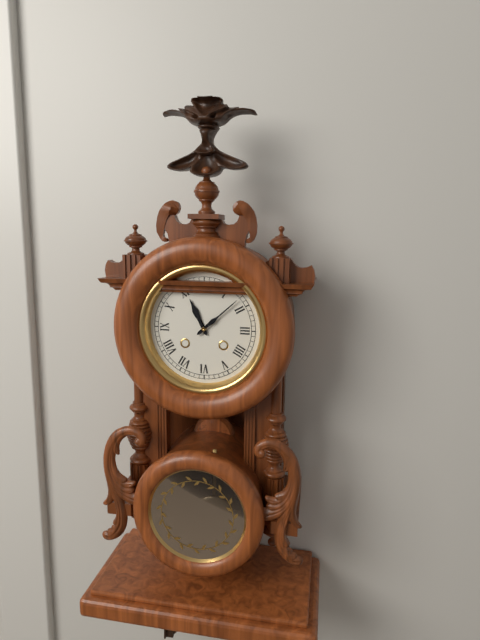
h=11 m=8
